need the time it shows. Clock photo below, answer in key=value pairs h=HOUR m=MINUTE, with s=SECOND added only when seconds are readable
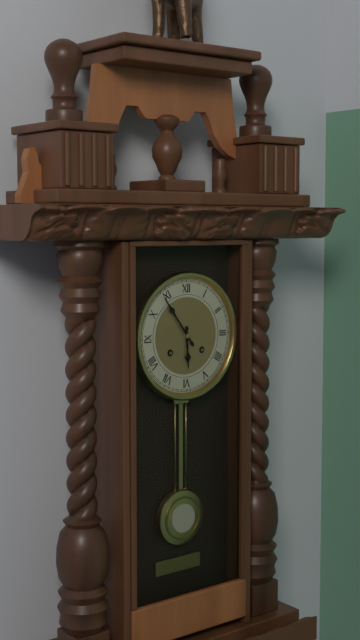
h=5 m=54
